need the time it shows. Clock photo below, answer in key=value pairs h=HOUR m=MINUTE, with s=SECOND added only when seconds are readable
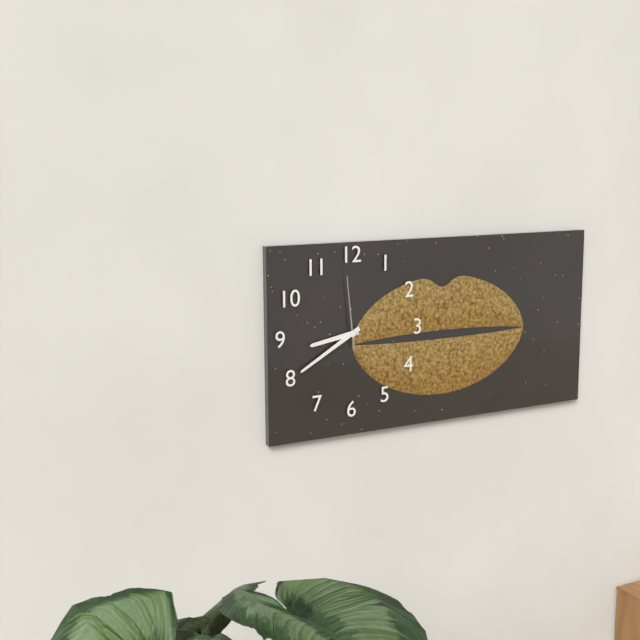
h=8 m=40 s=59
